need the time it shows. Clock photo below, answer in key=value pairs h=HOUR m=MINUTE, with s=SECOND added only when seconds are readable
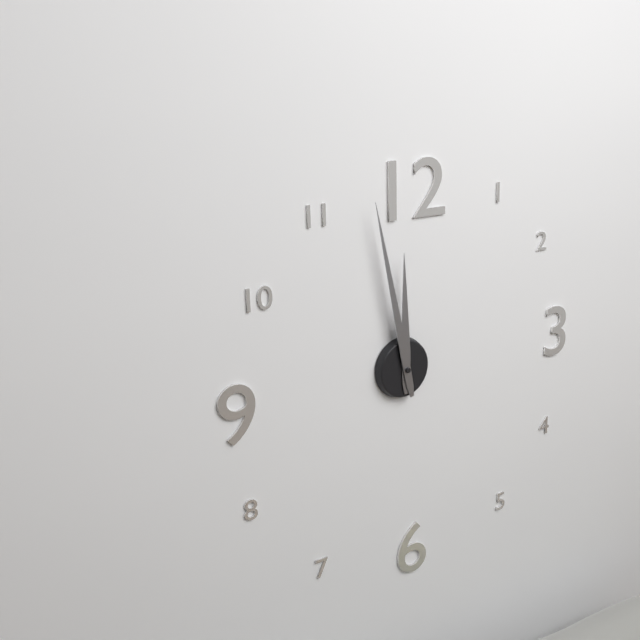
h=11 m=58
